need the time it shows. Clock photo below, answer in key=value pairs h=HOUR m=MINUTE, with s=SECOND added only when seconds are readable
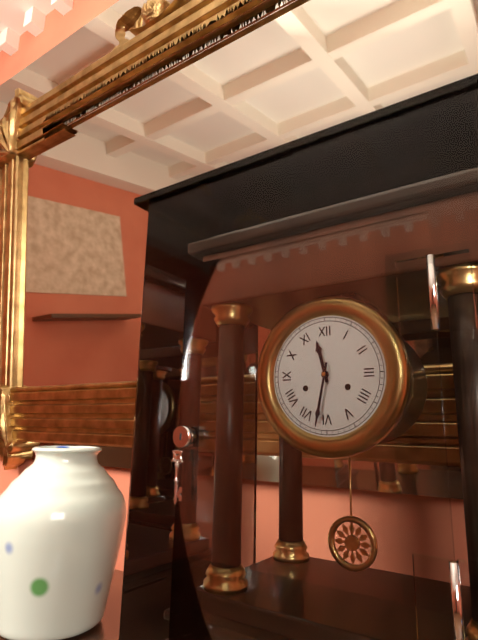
h=11 m=32
